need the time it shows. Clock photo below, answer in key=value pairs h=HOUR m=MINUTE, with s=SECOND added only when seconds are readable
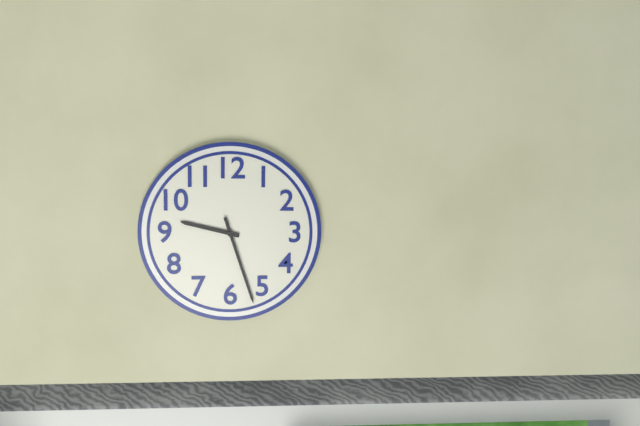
h=9 m=27
